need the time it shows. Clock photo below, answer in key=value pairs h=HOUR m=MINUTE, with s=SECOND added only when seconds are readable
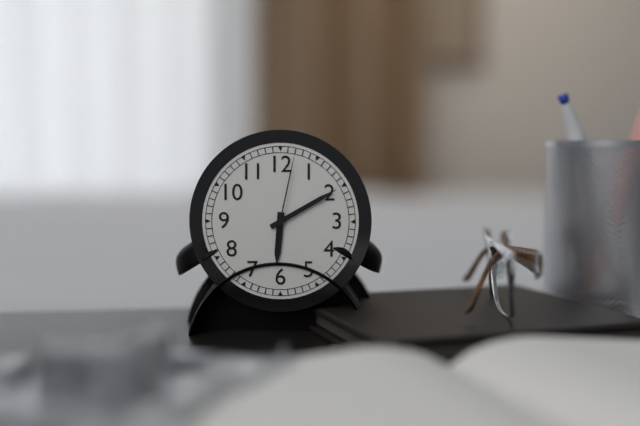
h=6 m=10 s=2
